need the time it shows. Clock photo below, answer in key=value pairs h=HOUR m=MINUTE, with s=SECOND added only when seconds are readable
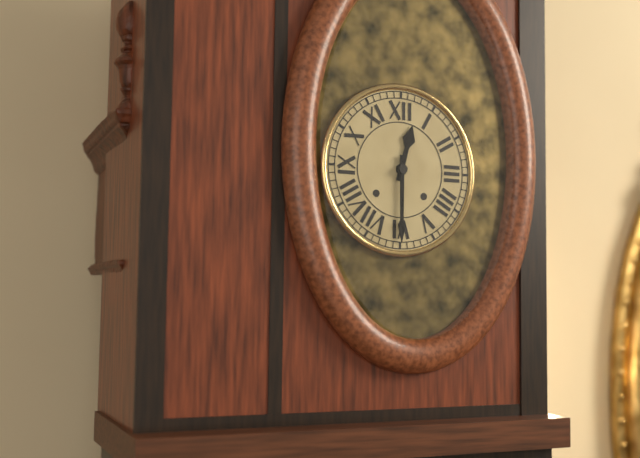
h=12 m=30
